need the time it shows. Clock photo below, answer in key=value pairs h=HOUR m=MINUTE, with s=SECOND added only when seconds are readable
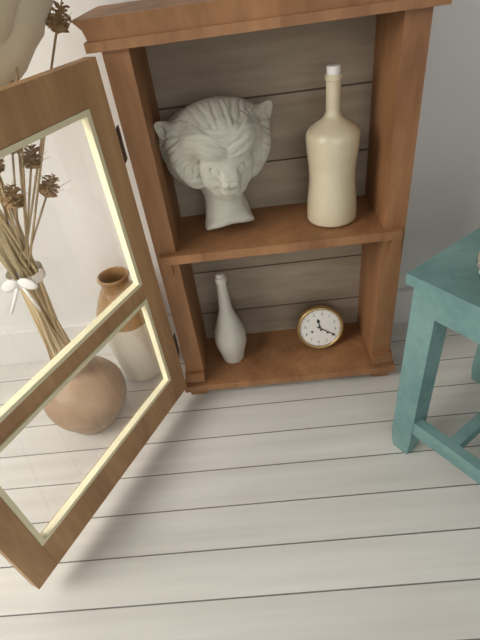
h=11 m=19
